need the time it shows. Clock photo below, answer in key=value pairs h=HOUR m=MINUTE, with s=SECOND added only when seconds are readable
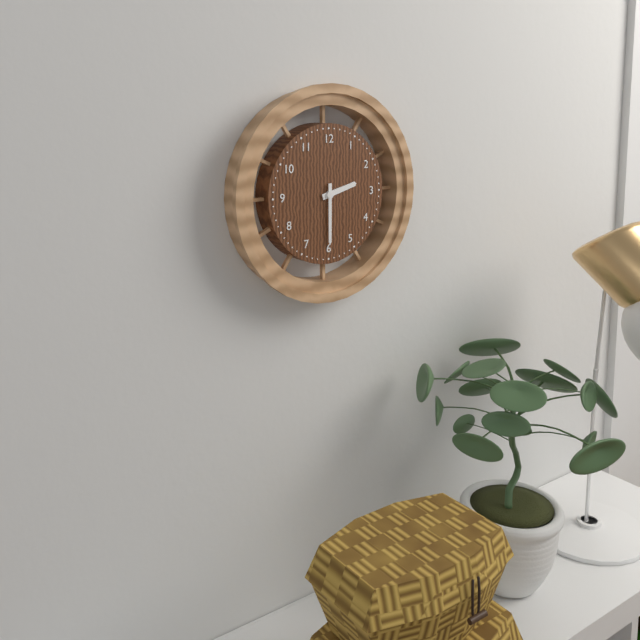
h=2 m=30
